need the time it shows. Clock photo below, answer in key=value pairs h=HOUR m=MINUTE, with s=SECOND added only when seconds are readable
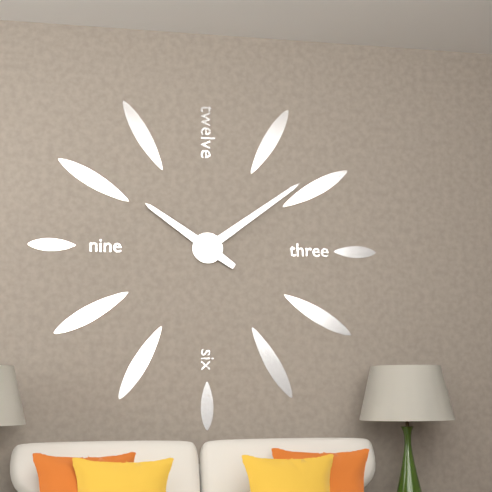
h=10 m=9
